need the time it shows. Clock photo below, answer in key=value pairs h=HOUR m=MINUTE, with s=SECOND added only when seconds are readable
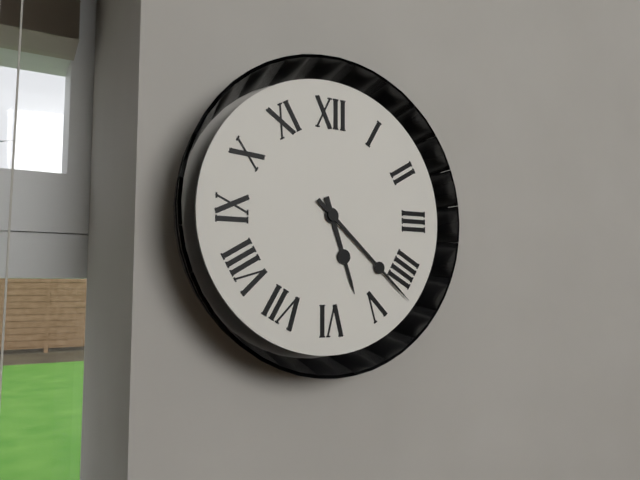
h=5 m=22
